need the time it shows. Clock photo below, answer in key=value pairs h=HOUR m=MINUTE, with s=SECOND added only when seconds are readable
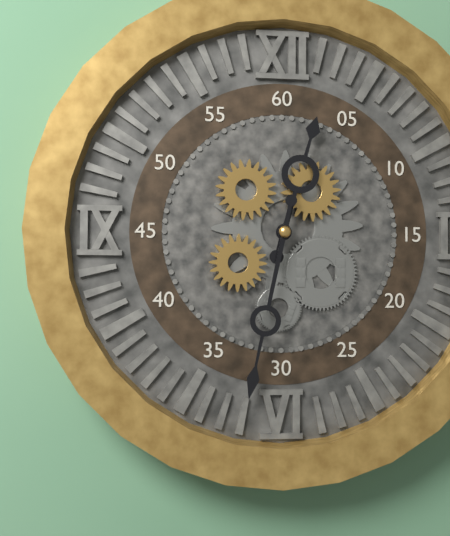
h=12 m=32
